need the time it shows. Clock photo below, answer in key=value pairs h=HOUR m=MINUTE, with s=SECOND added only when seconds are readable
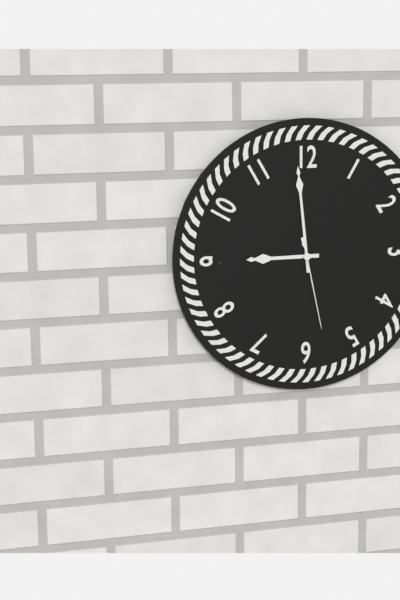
h=8 m=59 s=28
